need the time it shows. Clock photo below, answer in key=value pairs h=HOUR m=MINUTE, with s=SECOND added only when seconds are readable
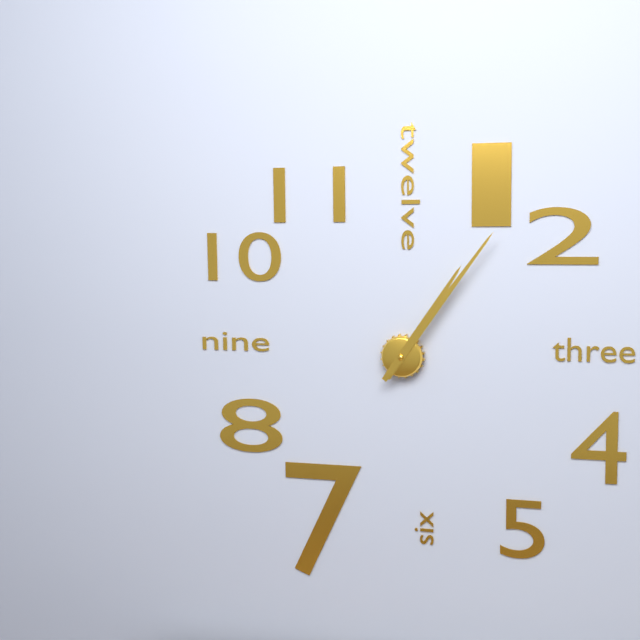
h=1 m=6
